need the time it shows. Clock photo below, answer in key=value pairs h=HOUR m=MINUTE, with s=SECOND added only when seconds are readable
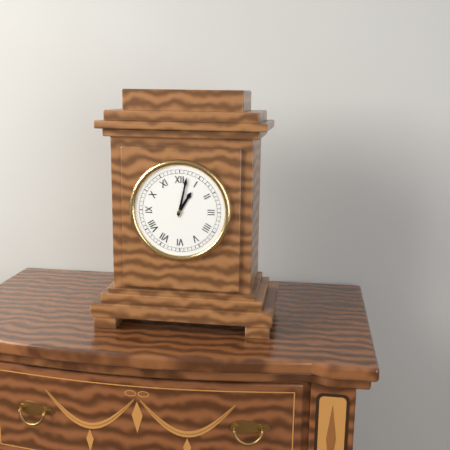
h=1 m=2
